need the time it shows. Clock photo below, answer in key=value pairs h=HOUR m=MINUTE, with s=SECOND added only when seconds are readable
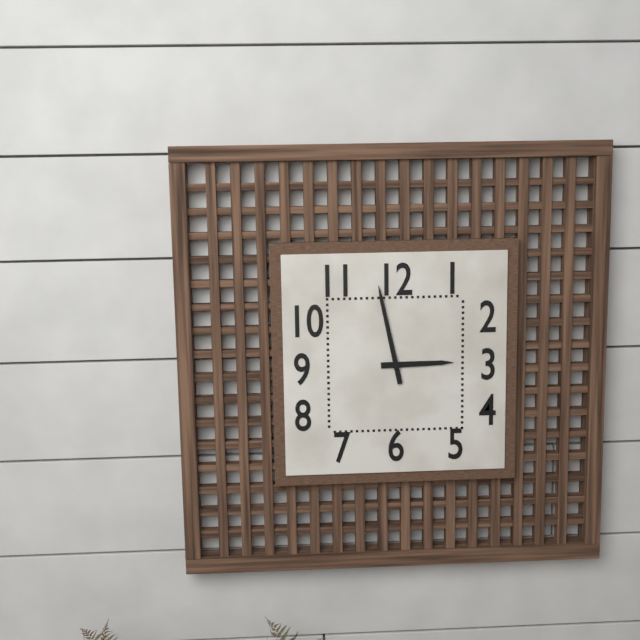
h=2 m=58
